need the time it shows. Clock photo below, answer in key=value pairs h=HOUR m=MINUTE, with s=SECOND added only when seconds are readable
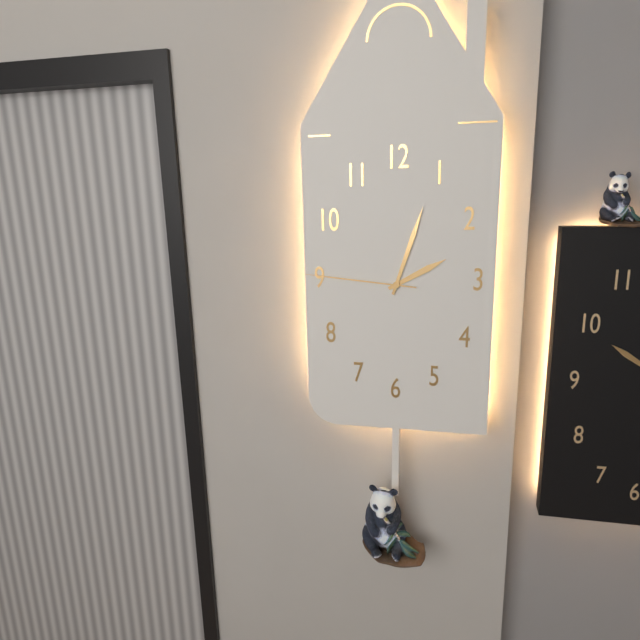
h=2 m=3 s=46
